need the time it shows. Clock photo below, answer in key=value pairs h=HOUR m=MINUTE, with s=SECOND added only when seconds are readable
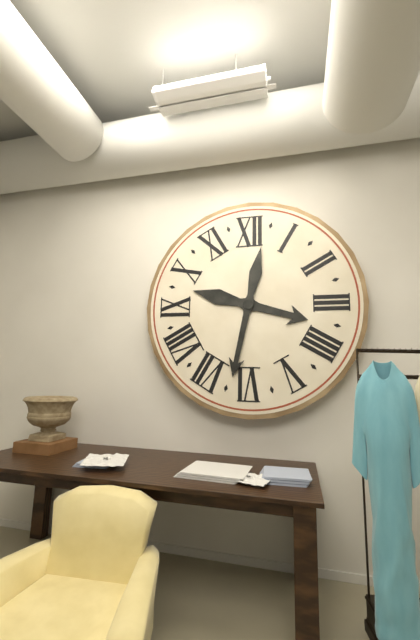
h=3 m=32
